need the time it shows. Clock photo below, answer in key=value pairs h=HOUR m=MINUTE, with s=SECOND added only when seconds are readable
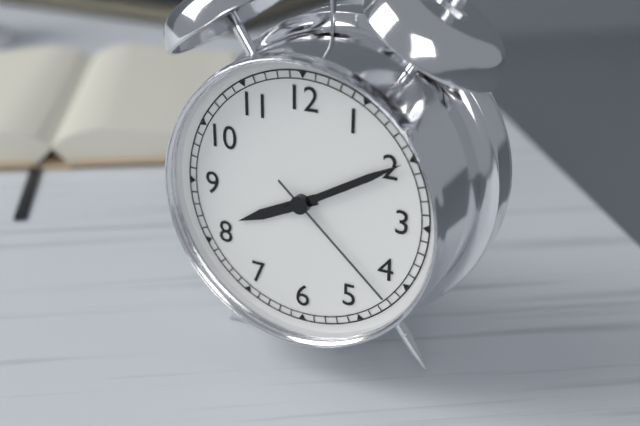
h=8 m=10 s=22
